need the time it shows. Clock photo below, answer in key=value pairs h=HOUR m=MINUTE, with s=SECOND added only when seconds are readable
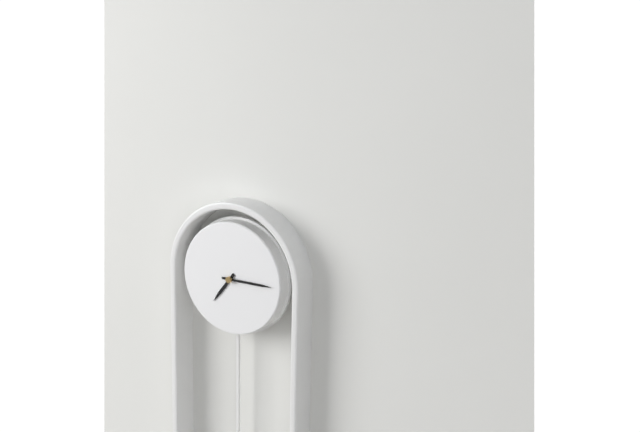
h=7 m=15
